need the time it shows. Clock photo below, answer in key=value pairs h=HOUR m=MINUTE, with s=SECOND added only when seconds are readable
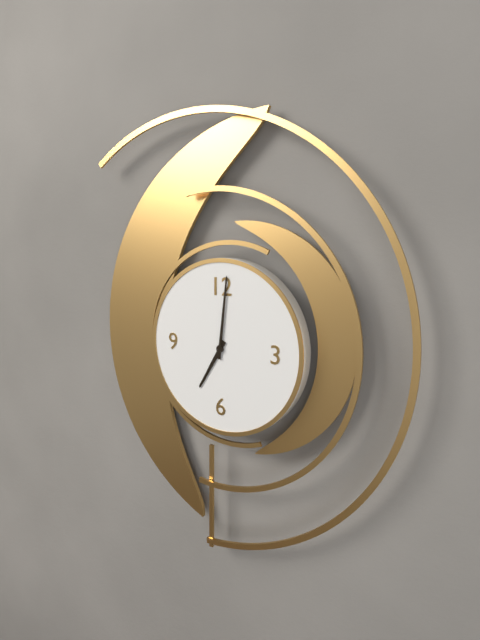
h=7 m=1
